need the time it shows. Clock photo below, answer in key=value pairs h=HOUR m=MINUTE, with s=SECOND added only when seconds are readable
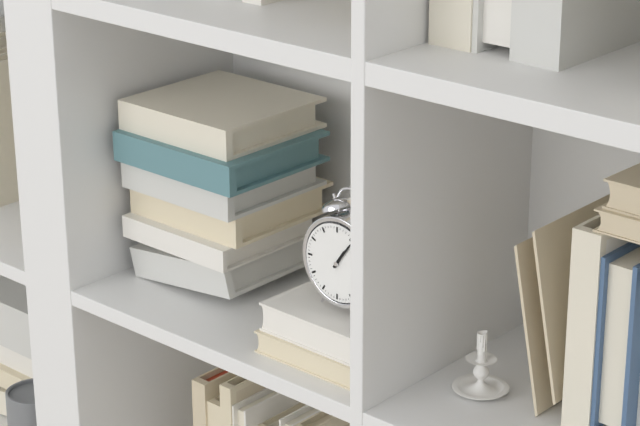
h=1 m=6
